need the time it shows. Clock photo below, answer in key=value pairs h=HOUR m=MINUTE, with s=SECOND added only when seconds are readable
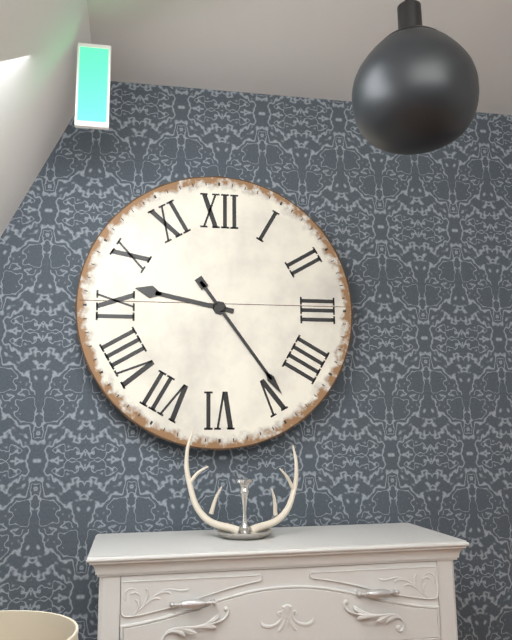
h=9 m=24
